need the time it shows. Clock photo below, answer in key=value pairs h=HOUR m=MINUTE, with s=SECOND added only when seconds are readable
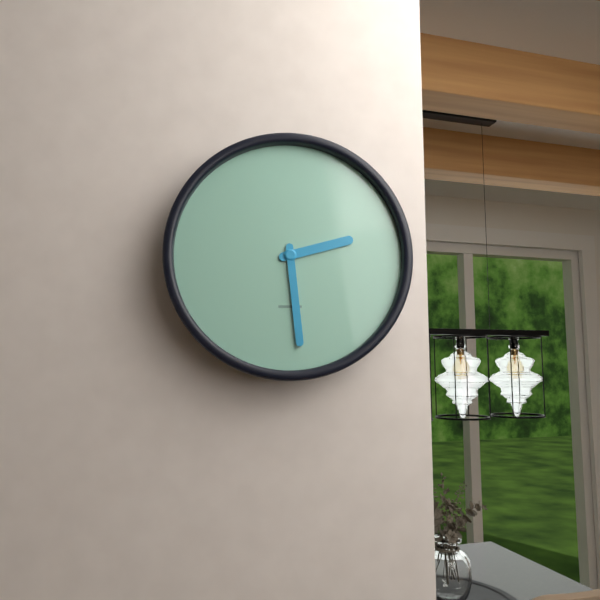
h=2 m=29
